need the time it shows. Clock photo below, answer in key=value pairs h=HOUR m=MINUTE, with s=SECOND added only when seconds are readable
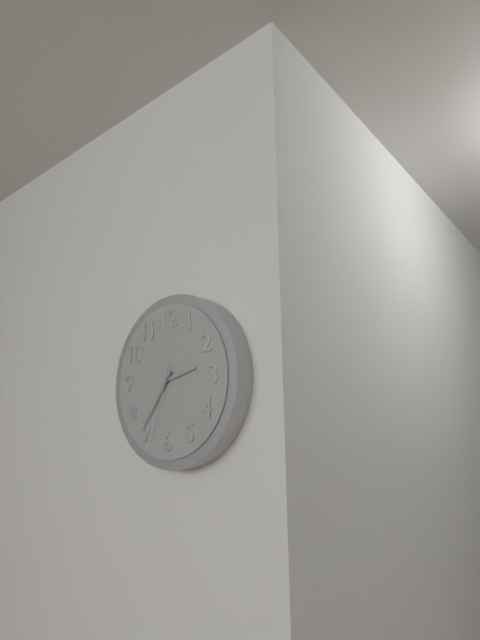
h=2 m=36 s=33
